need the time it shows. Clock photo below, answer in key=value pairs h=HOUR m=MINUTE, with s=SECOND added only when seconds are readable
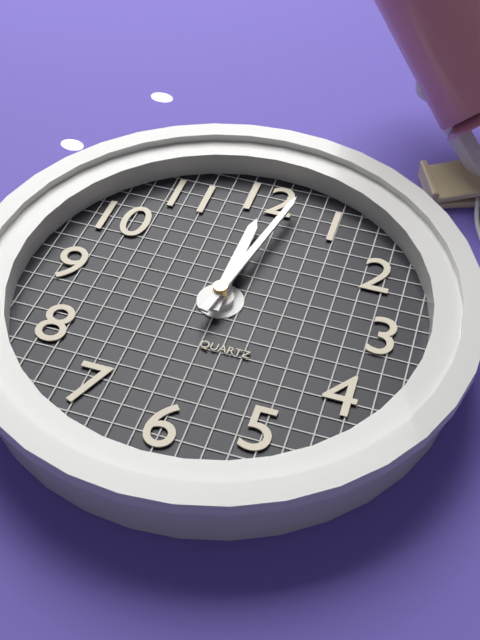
h=12 m=2
